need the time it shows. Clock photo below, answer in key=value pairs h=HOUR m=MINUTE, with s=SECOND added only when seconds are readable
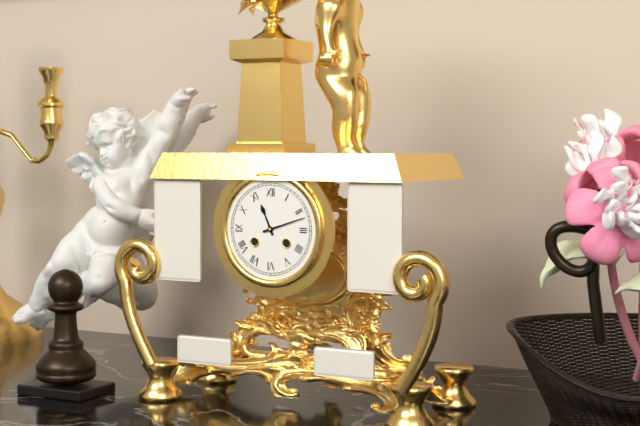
h=11 m=12
